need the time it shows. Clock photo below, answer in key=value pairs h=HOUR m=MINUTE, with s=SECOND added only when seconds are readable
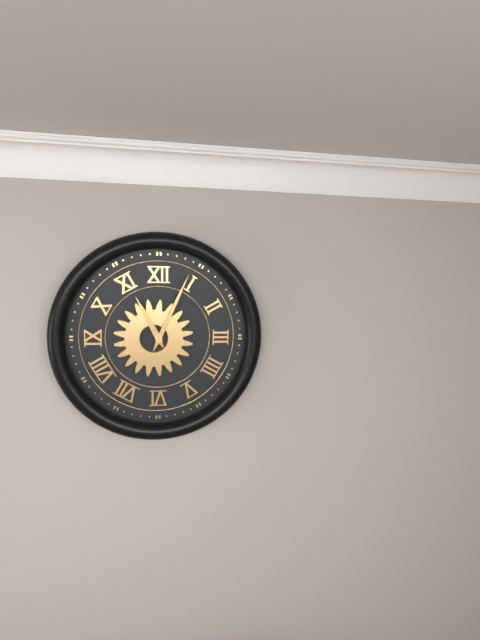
h=11 m=4
